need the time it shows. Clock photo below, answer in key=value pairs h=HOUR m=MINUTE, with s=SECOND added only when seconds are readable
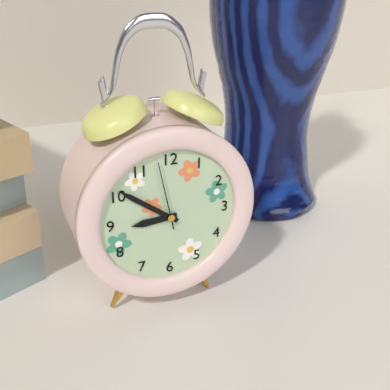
h=8 m=51 s=58
